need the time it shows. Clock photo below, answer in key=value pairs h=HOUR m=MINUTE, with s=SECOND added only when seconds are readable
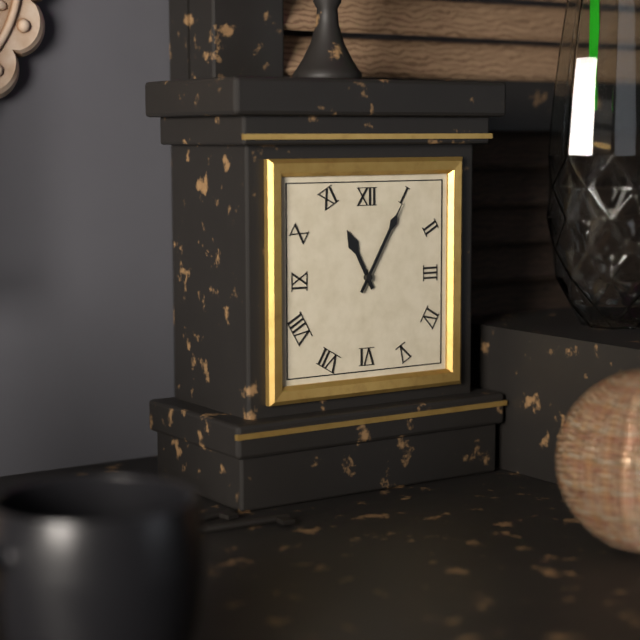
h=11 m=5
